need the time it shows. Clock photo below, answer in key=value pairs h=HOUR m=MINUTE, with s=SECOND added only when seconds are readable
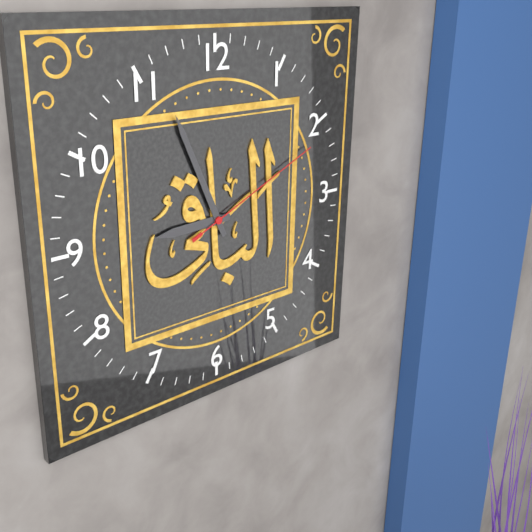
h=8 m=56 s=11
